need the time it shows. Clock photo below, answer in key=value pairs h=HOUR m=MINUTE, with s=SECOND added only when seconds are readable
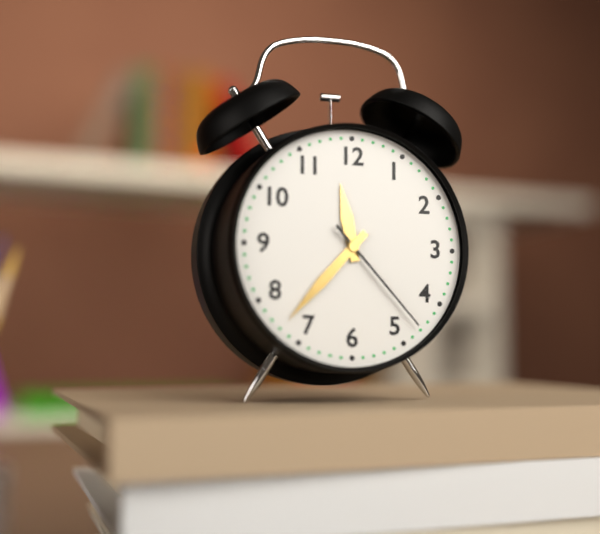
h=11 m=37 s=23
